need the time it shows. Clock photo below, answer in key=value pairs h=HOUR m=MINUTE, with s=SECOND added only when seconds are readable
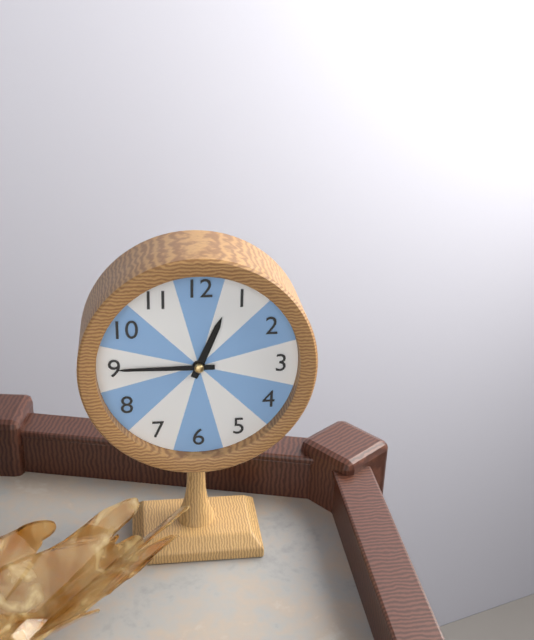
h=12 m=45
